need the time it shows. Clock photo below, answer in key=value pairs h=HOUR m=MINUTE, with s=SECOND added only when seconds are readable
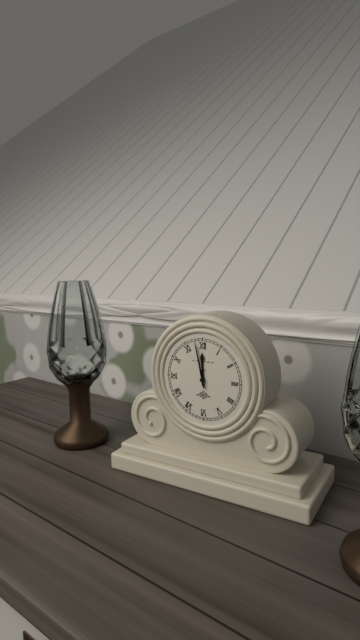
h=11 m=58
